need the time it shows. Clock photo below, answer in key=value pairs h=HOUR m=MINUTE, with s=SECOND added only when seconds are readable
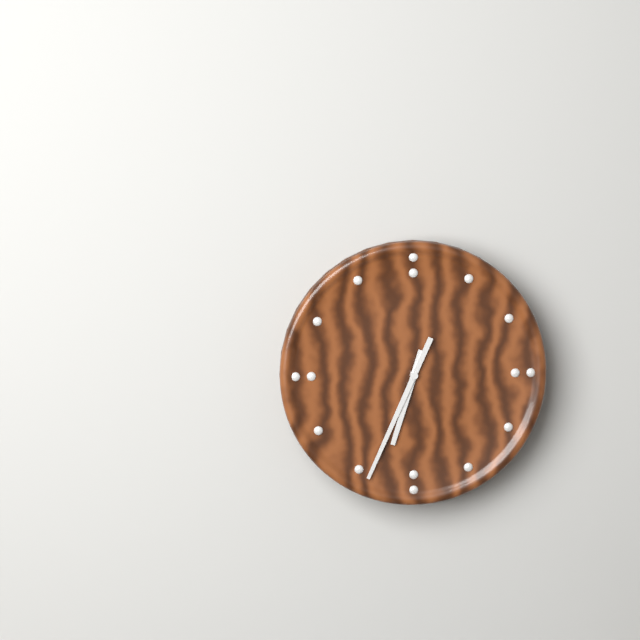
h=6 m=34
